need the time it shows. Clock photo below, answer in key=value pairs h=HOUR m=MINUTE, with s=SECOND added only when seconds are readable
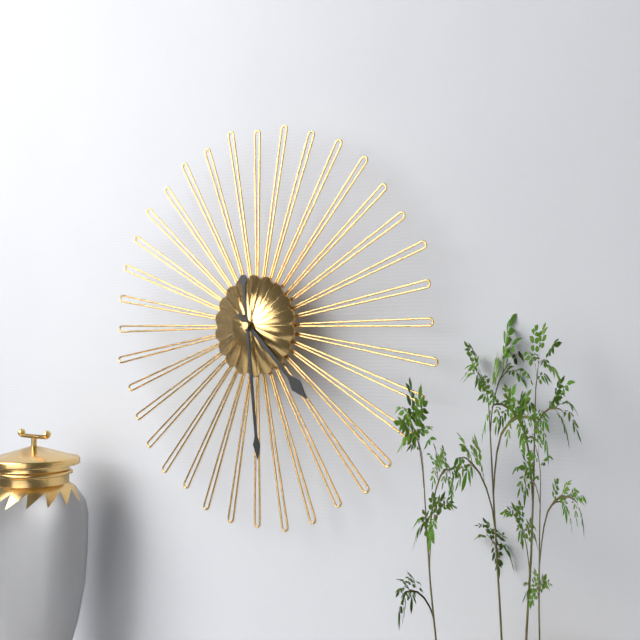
h=4 m=29
